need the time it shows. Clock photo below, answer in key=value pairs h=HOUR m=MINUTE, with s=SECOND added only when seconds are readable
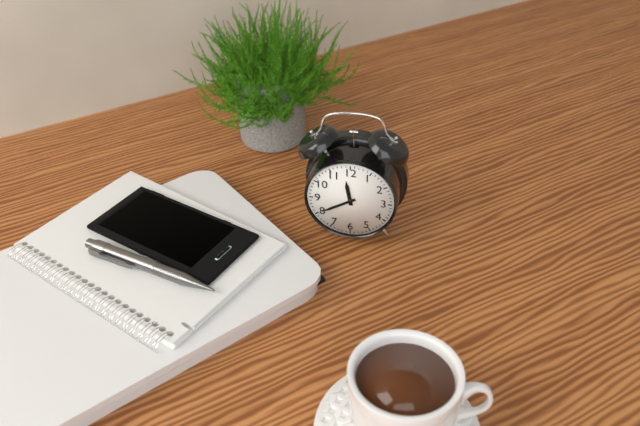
h=11 m=40
